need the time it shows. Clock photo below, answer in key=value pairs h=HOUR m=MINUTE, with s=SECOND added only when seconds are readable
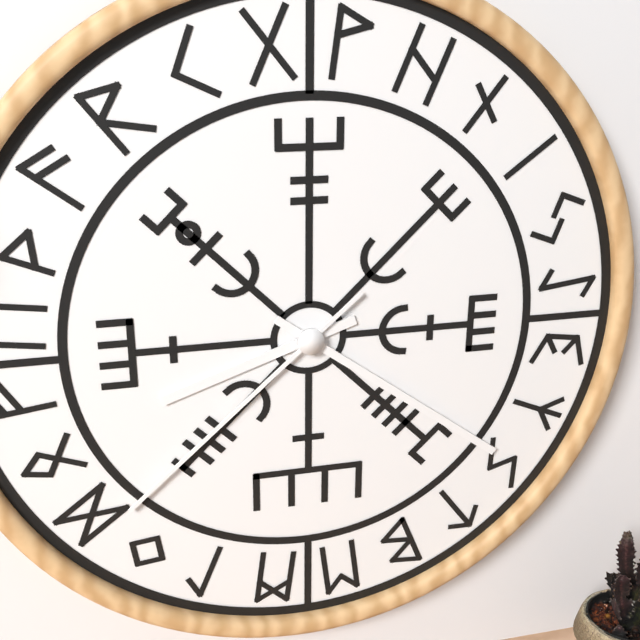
h=8 m=21 s=38
